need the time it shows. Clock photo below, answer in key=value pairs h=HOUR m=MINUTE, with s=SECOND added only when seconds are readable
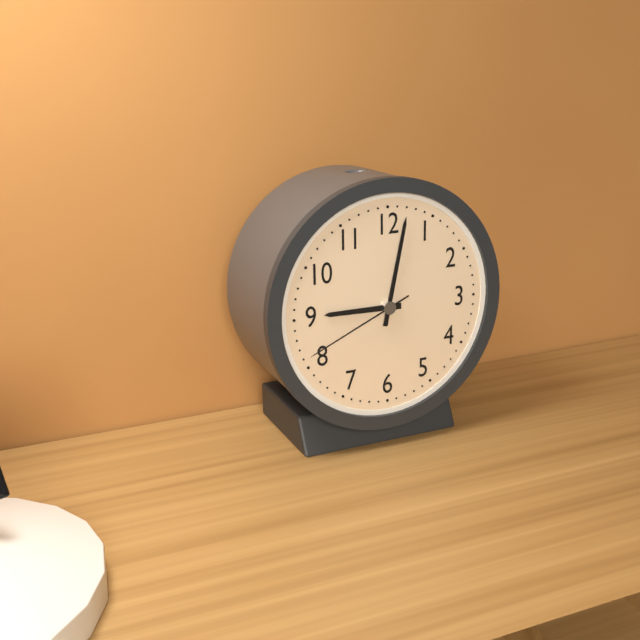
h=9 m=2 s=41
